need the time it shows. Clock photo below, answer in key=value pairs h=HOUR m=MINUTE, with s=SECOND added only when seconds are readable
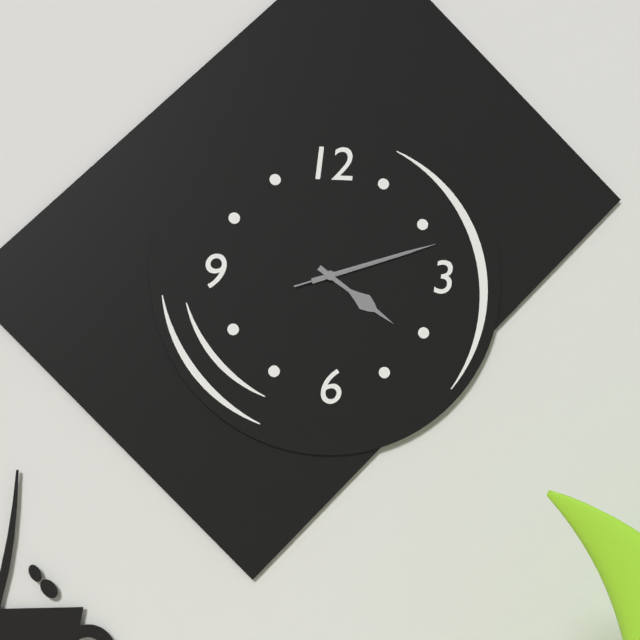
h=4 m=12 s=12
